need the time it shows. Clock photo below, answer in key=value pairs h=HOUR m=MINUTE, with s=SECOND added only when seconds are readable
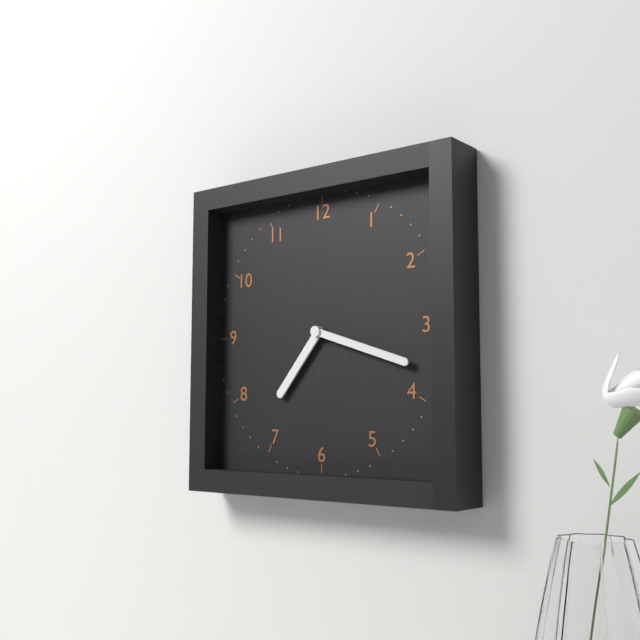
h=7 m=18
